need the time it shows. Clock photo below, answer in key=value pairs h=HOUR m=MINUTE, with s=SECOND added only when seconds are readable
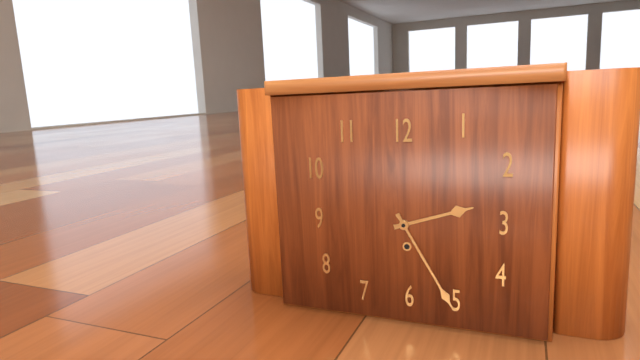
h=2 m=25
